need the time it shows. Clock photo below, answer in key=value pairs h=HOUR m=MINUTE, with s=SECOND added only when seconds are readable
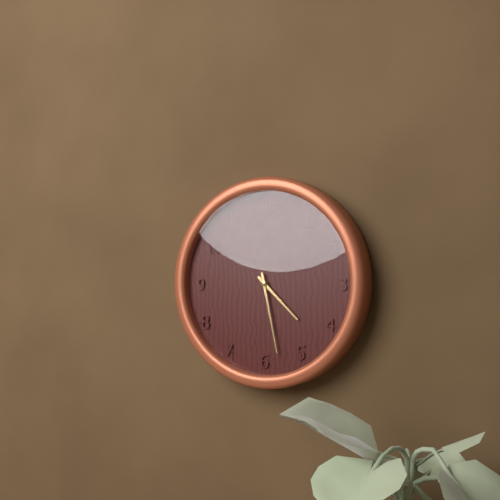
h=4 m=28
